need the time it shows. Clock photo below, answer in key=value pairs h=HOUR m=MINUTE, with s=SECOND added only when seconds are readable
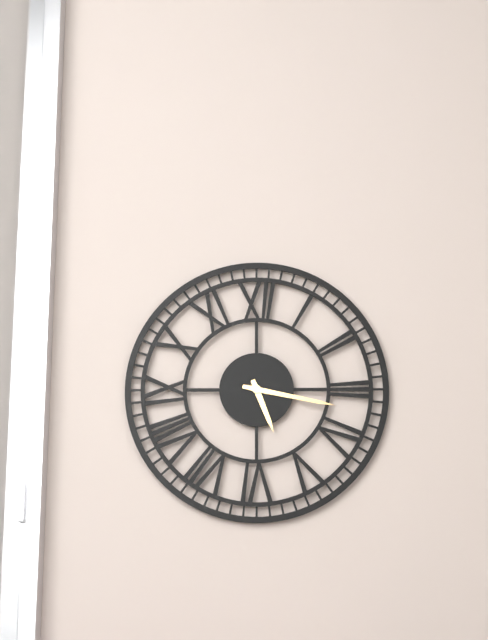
h=5 m=17
